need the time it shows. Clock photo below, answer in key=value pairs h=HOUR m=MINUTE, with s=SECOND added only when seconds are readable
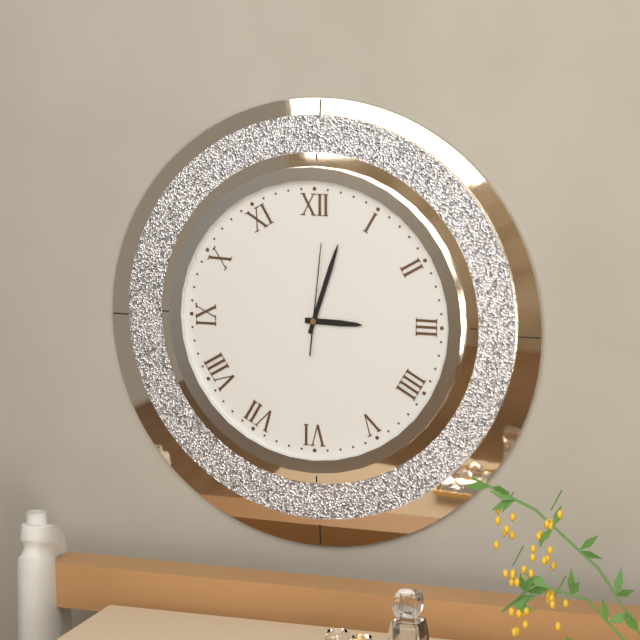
h=3 m=3 s=1
